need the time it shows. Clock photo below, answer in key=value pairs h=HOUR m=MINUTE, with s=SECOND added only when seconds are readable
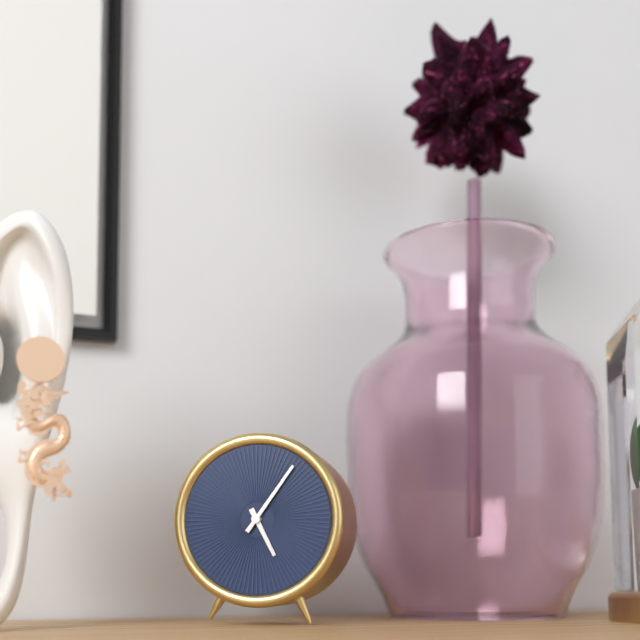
h=5 m=6
